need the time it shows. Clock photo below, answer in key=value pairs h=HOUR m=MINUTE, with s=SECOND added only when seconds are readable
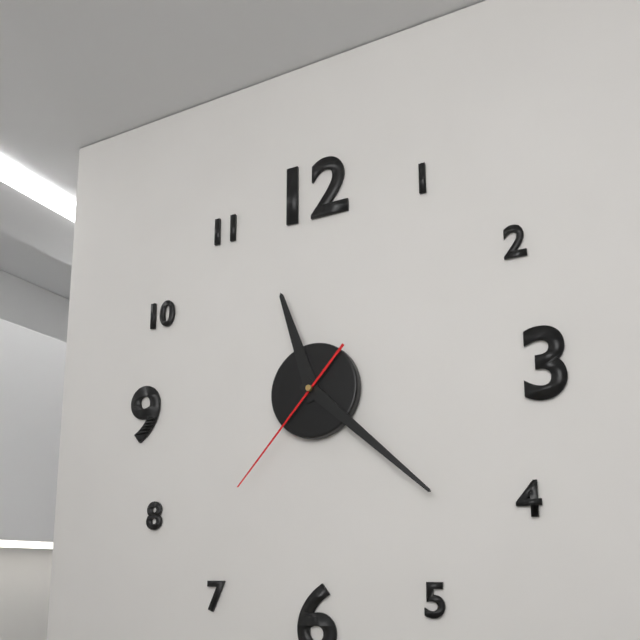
h=11 m=22 s=37
